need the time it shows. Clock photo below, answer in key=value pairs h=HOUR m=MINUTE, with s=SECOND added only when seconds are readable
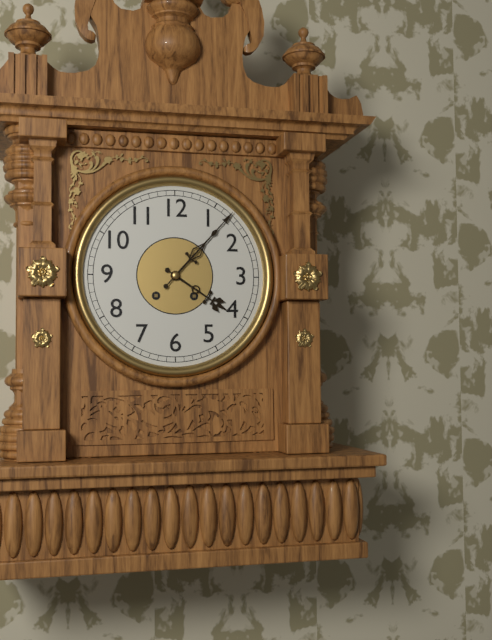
h=4 m=7
